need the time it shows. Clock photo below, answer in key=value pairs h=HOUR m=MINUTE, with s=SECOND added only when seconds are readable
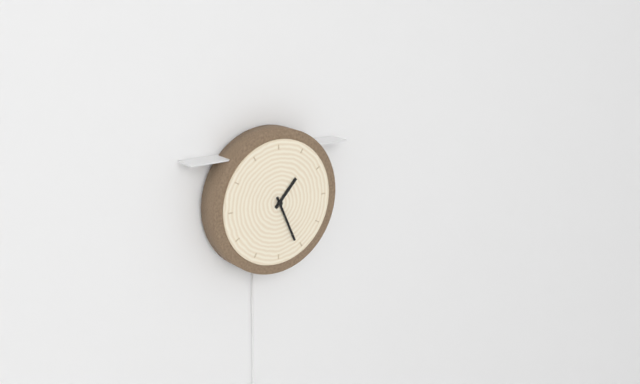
h=1 m=26
